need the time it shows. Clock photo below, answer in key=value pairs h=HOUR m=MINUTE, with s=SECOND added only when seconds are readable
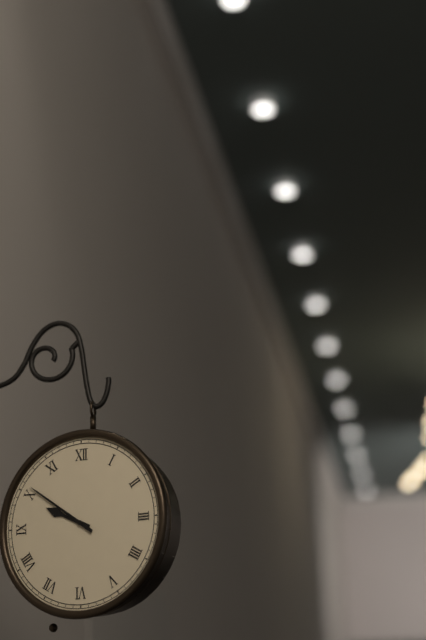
h=9 m=51
